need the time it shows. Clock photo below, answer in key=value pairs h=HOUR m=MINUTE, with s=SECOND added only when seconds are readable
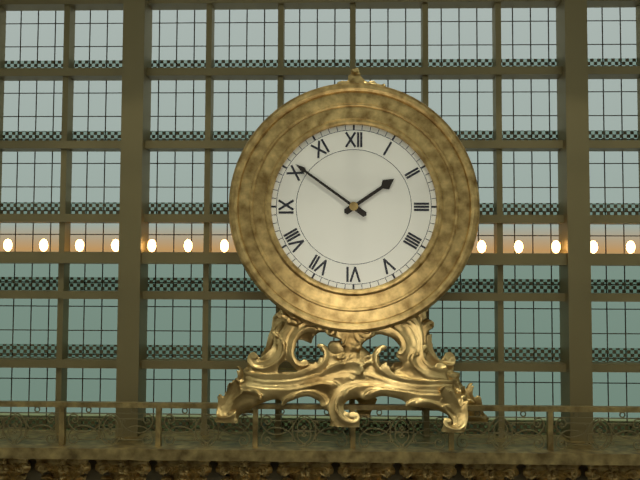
h=1 m=51
